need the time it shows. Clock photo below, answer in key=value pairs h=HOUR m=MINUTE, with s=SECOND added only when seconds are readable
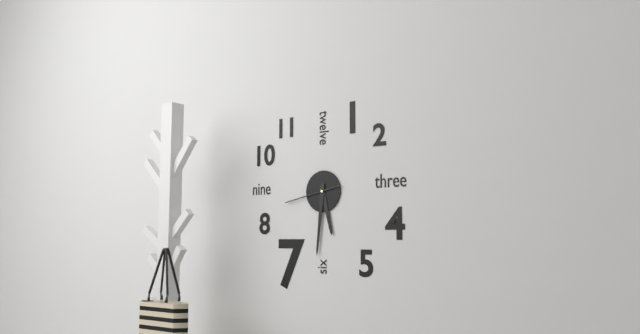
h=5 m=31
